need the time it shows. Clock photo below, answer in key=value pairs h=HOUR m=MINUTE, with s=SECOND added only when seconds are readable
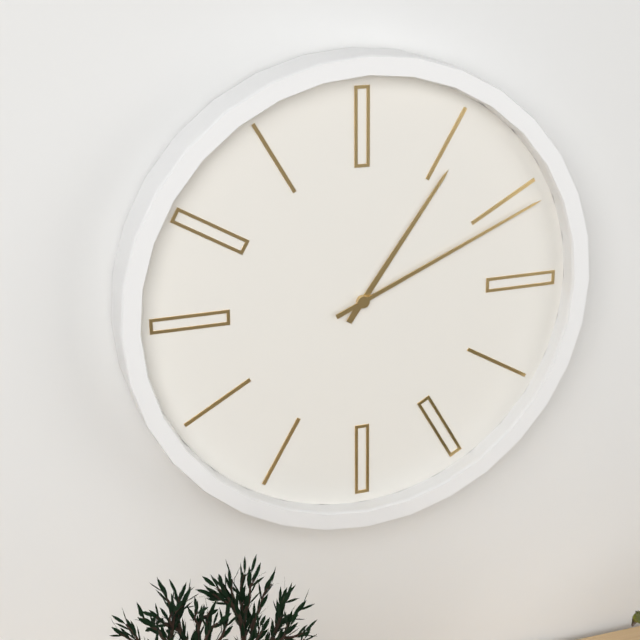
h=1 m=11
